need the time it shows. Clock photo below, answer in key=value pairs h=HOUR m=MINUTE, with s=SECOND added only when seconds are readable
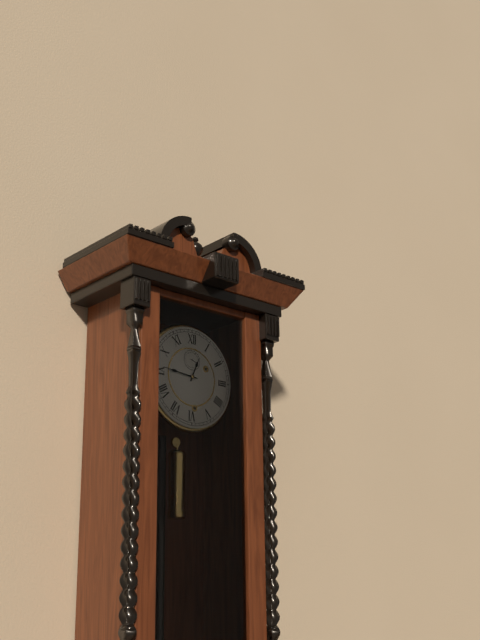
h=12 m=46
